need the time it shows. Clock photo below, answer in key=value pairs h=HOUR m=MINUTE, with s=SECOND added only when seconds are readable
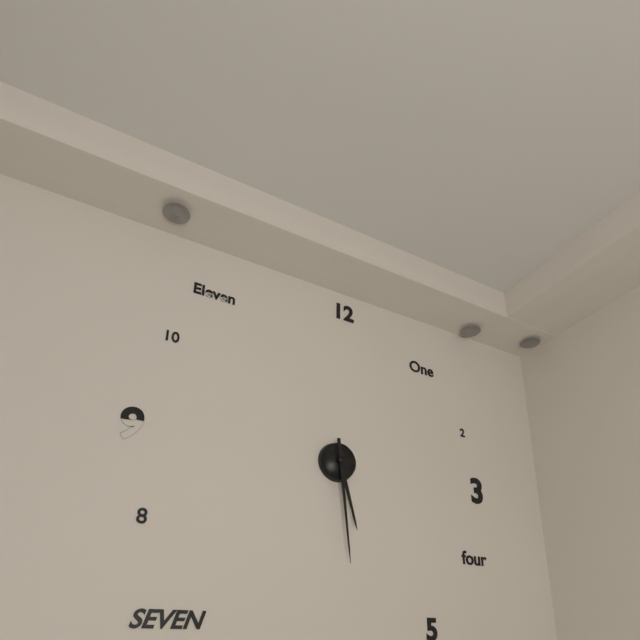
h=5 m=29
